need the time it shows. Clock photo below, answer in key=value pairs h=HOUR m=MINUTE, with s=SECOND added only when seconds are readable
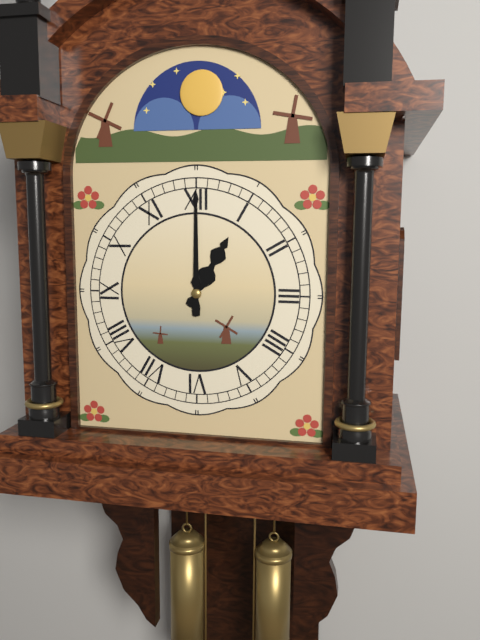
h=1 m=0
